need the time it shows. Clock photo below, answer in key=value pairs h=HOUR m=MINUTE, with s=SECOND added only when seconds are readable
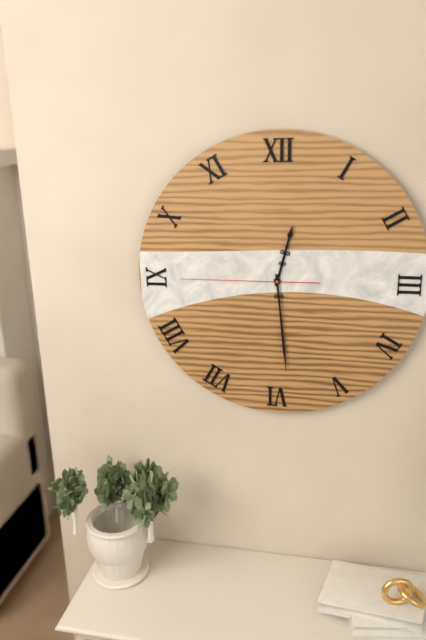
h=12 m=29 s=45
